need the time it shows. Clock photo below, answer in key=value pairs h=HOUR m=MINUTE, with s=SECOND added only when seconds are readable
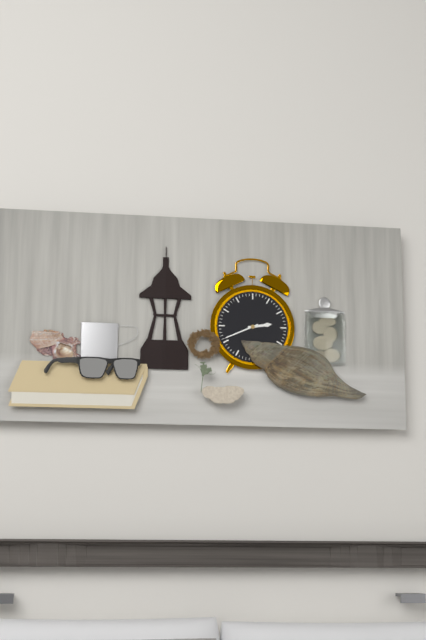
h=2 m=41
